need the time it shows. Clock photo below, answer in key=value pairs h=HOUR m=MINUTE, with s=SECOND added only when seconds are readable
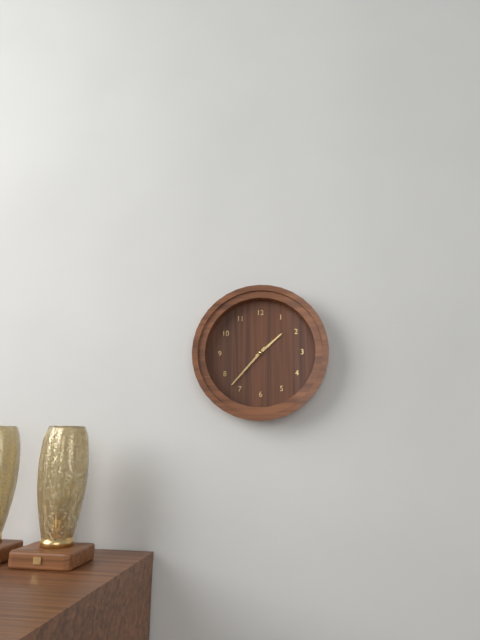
h=1 m=37
